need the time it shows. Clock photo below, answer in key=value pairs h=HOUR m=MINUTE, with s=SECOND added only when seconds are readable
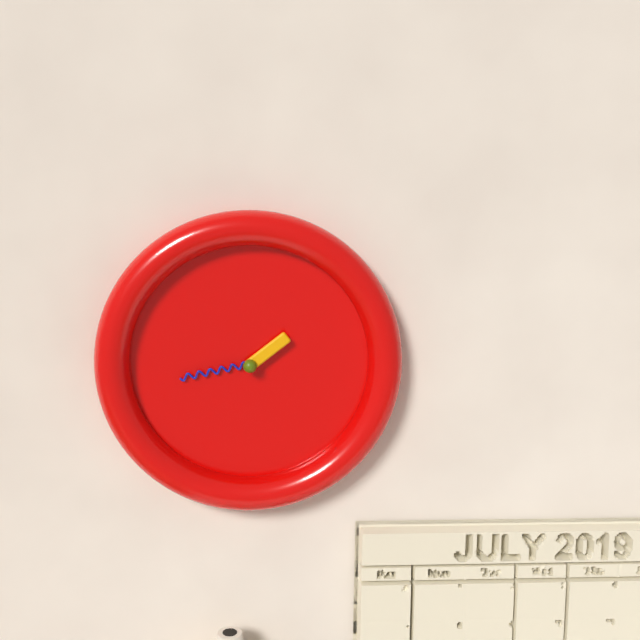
h=1 m=43
